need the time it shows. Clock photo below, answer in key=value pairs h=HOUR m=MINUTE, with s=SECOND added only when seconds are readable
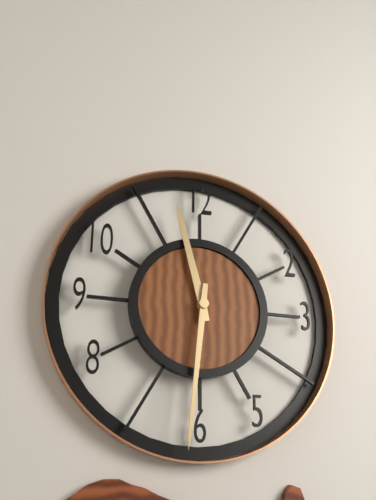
h=11 m=31
